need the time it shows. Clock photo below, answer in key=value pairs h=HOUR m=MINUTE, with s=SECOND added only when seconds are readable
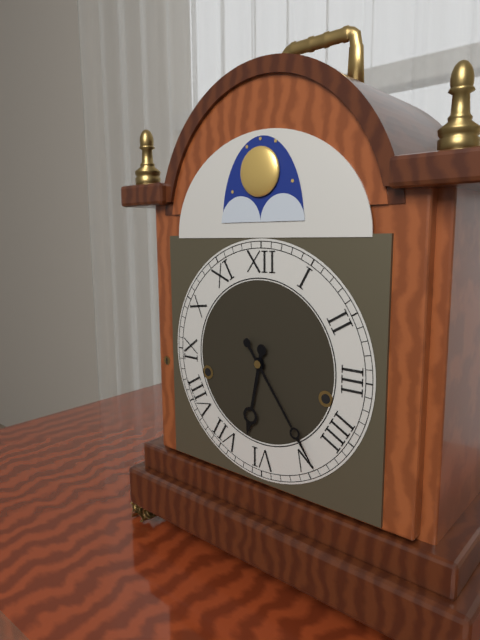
h=6 m=24
